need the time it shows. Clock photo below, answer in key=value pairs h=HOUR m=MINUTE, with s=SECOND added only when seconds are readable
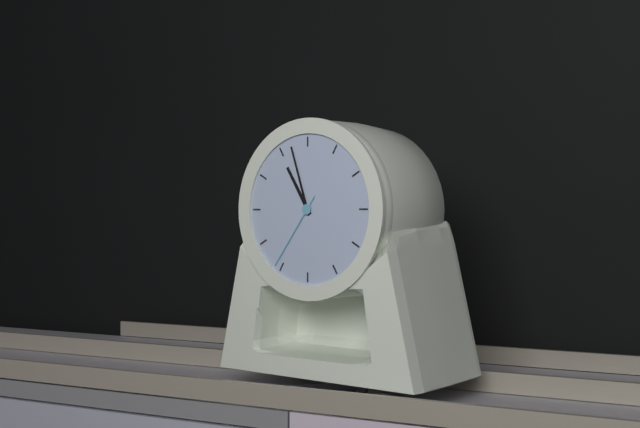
h=10 m=57 s=36
